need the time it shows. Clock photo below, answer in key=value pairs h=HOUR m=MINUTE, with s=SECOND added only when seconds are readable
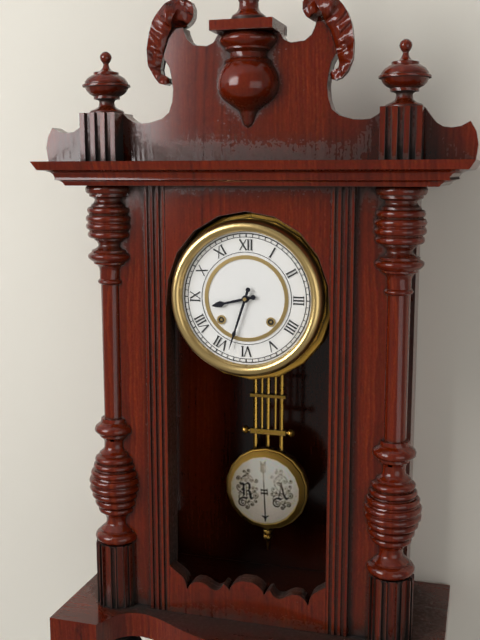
h=8 m=33
